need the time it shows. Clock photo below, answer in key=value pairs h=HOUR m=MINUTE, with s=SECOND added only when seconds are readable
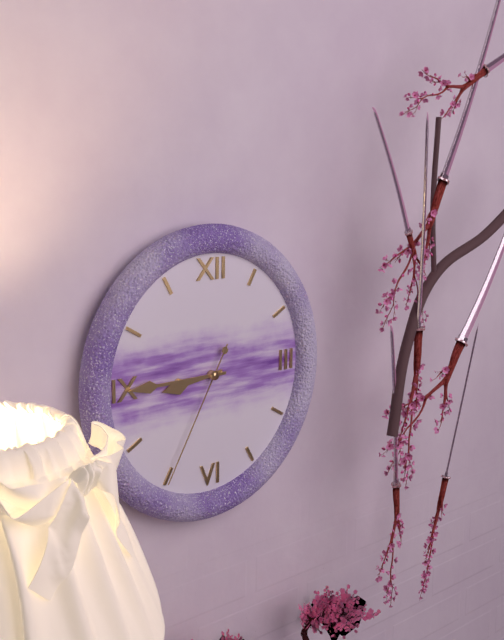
h=8 m=45 s=35
